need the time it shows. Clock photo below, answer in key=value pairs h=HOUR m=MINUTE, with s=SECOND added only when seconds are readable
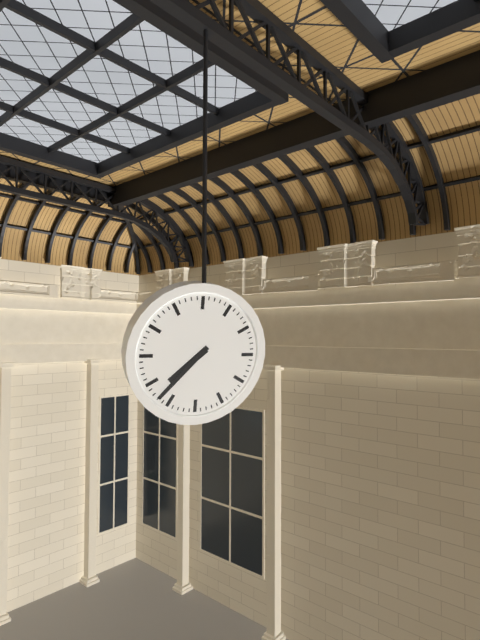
h=7 m=37
